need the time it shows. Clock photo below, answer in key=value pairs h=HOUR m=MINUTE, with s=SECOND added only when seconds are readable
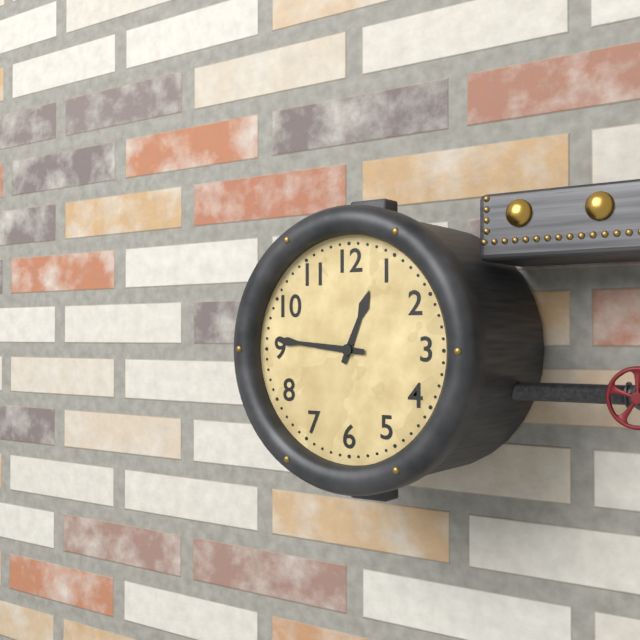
h=12 m=46
